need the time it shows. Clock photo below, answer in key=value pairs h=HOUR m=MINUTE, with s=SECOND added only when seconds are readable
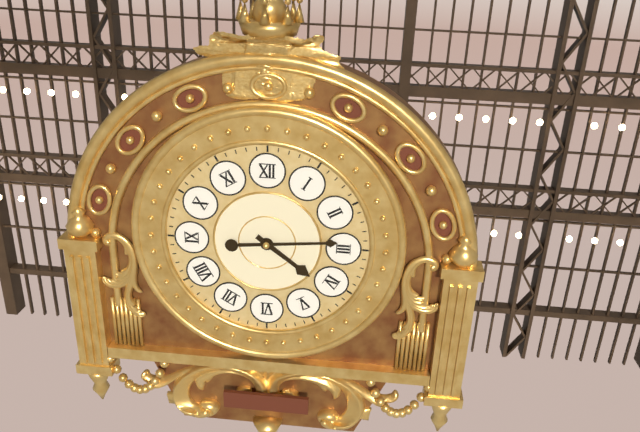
h=4 m=14
